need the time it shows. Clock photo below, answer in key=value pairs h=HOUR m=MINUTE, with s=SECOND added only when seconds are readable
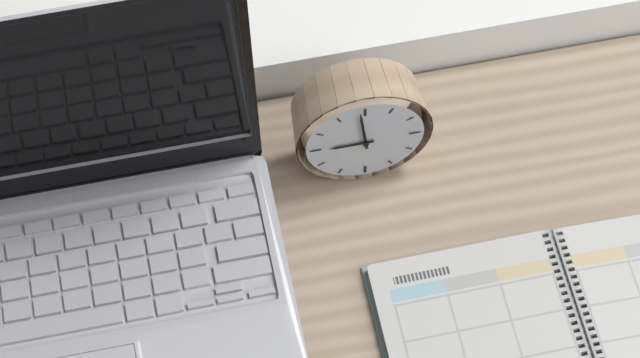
h=8 m=59
